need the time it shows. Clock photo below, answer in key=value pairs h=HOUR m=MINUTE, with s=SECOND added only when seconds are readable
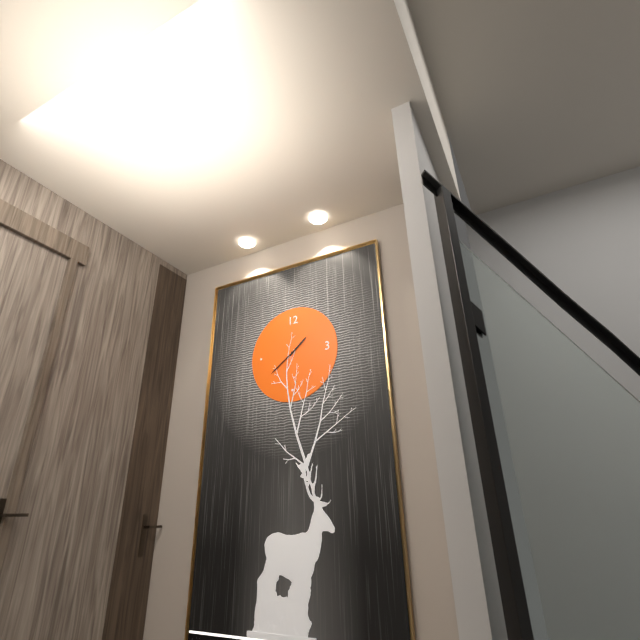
h=1 m=39
